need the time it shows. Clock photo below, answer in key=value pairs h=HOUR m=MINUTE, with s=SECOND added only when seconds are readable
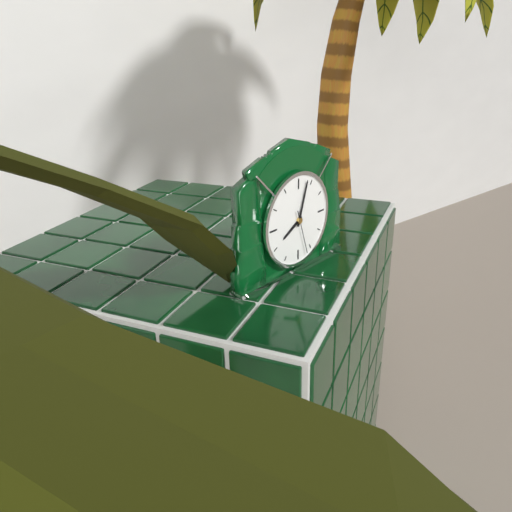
h=8 m=3
